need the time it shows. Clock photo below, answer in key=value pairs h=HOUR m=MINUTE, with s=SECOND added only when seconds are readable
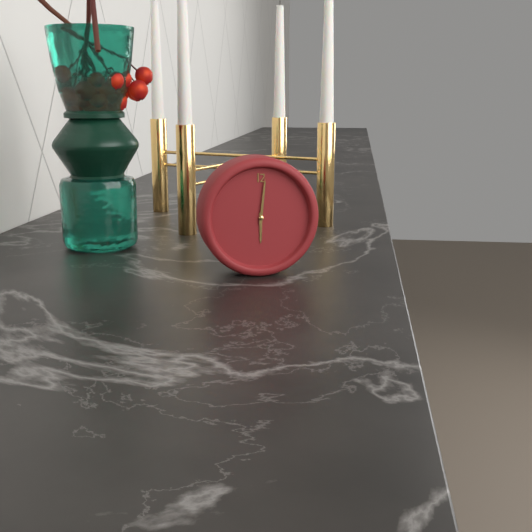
h=6 m=1
